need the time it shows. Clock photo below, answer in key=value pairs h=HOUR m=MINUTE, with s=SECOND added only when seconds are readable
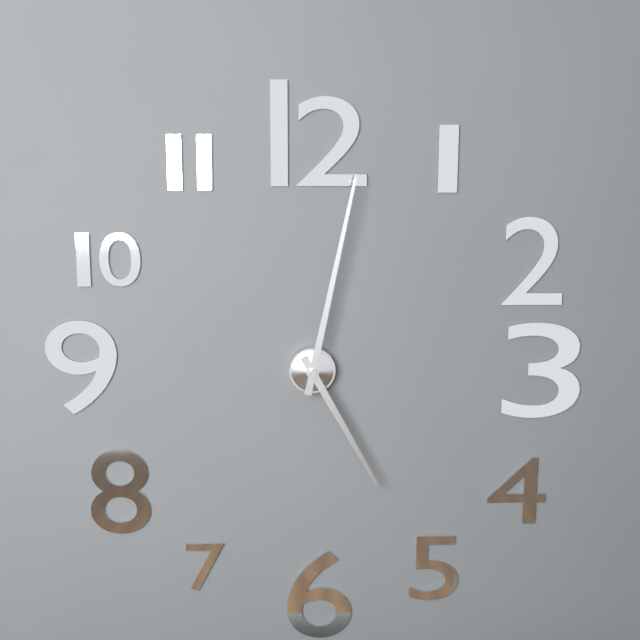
h=5 m=2
